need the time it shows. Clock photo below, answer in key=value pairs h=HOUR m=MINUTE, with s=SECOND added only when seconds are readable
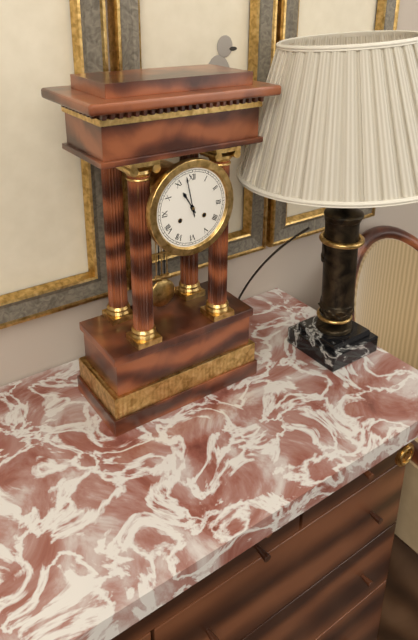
h=10 m=58
